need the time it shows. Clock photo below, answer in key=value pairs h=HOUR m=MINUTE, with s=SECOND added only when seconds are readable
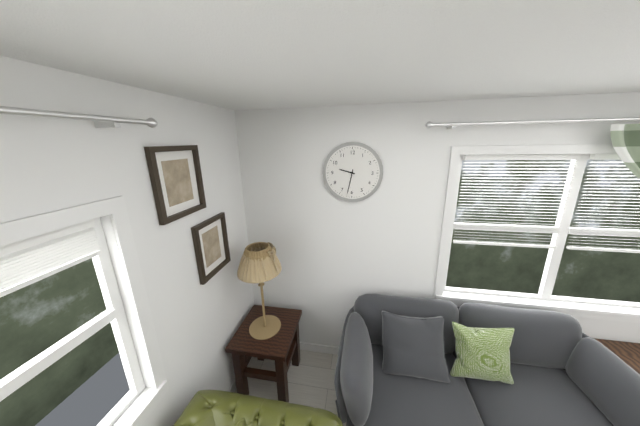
h=9 m=32
